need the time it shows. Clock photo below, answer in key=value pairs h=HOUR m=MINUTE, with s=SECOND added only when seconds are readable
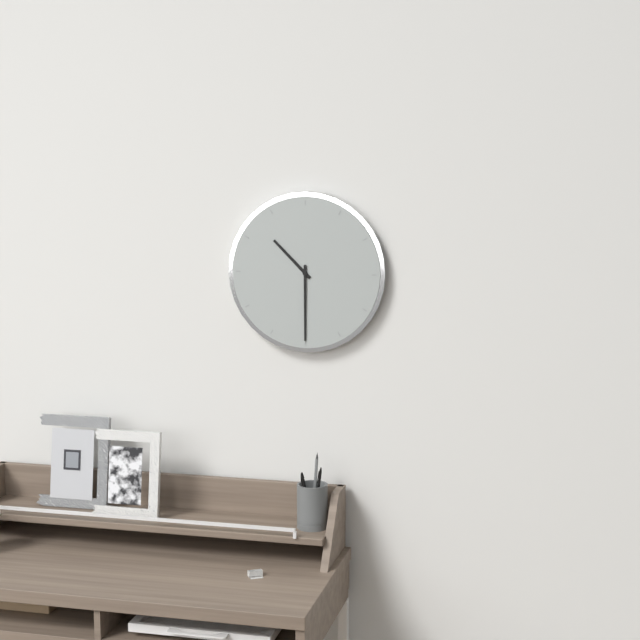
h=10 m=30
